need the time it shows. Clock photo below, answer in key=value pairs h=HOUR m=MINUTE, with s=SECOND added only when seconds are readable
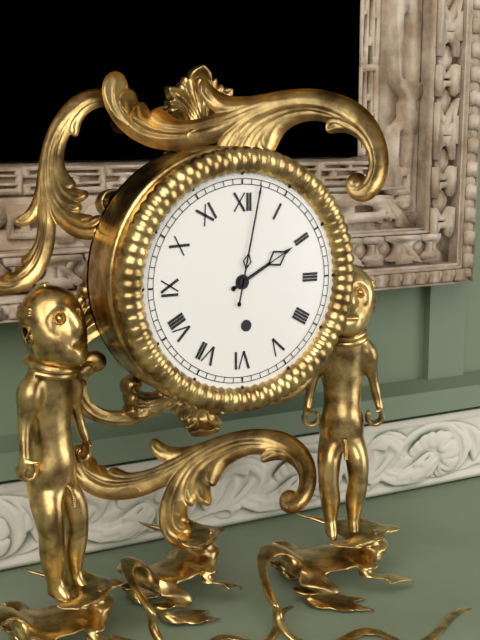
h=2 m=2
